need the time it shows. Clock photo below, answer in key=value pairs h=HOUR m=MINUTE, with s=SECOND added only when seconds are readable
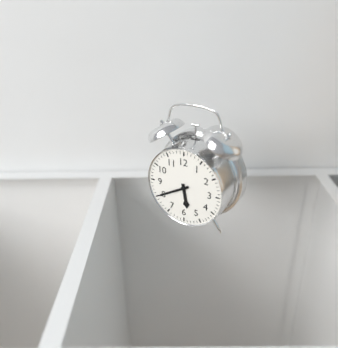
h=5 m=40
